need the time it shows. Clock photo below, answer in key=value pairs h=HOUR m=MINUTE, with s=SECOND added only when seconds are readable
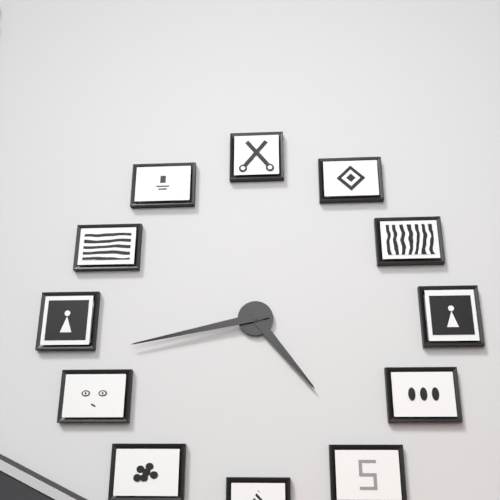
h=4 m=43
